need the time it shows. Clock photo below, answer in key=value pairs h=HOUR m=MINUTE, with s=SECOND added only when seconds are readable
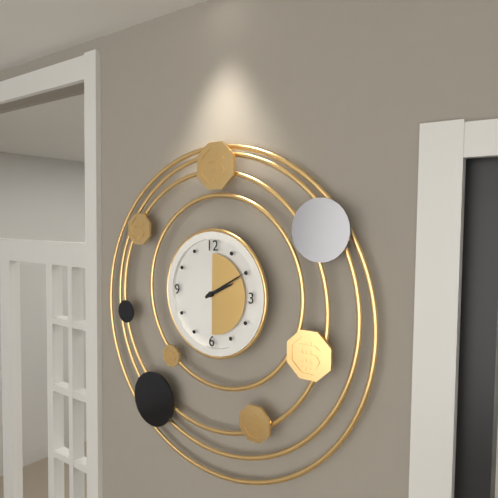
h=2 m=10
